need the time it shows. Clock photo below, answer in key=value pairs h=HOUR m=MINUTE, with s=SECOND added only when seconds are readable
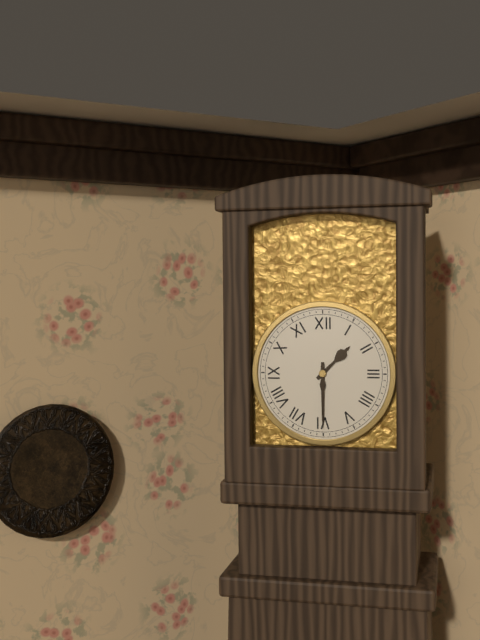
h=1 m=30
